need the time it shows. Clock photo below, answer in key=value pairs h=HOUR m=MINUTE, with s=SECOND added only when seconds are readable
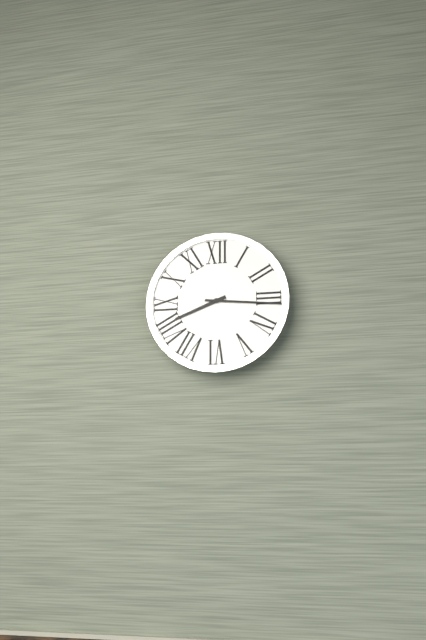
h=8 m=16
